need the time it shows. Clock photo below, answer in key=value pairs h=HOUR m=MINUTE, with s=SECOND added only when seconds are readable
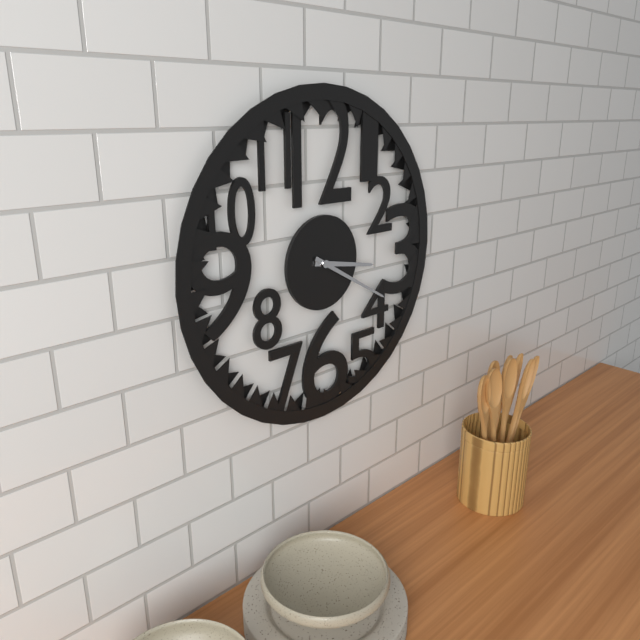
h=3 m=20
